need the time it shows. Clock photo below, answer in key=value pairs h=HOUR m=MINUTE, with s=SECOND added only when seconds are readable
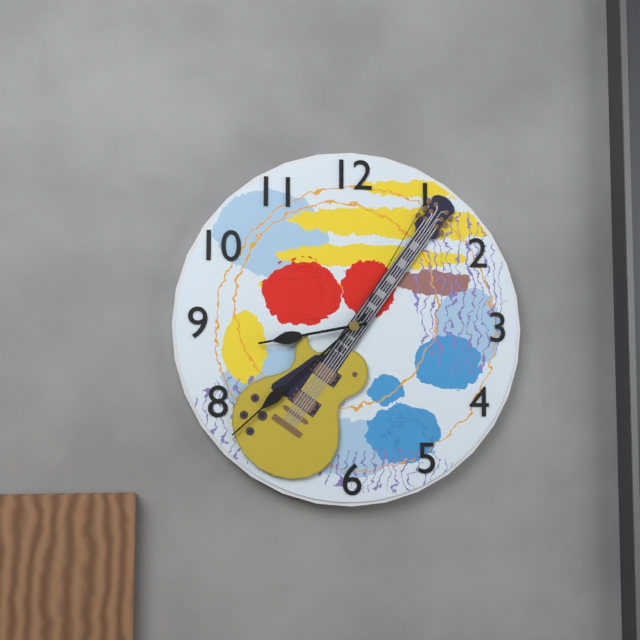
h=8 m=38 s=5
